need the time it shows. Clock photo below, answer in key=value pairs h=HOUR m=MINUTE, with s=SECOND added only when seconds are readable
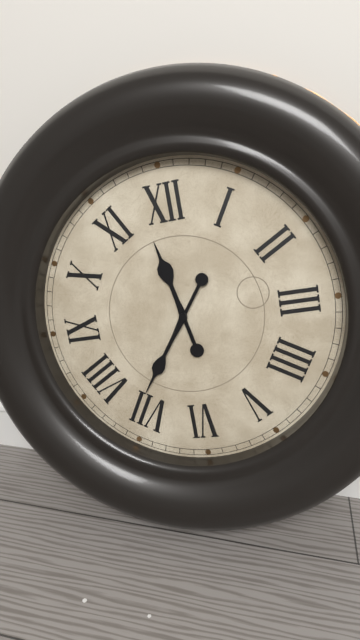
h=11 m=36
